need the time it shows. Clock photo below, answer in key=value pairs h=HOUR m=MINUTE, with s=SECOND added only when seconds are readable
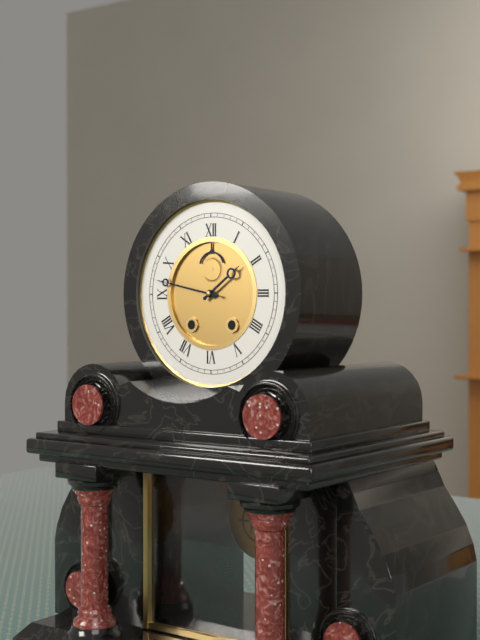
h=1 m=47
